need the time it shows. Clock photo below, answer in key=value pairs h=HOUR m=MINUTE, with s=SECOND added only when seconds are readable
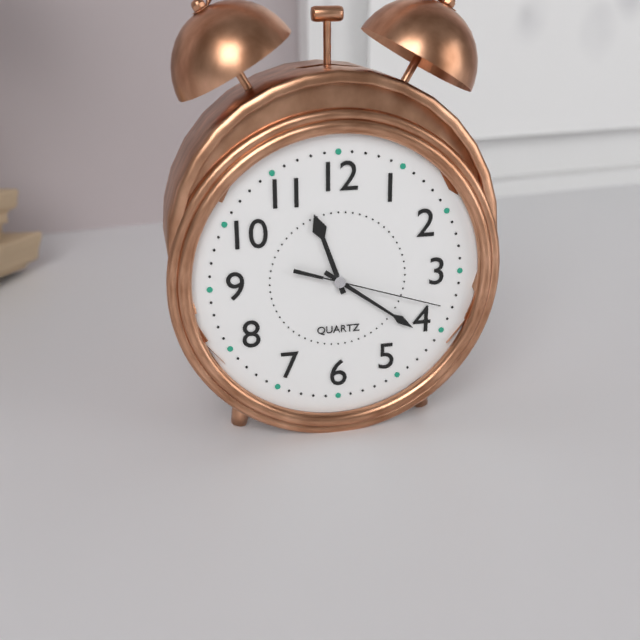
h=11 m=21 s=18
